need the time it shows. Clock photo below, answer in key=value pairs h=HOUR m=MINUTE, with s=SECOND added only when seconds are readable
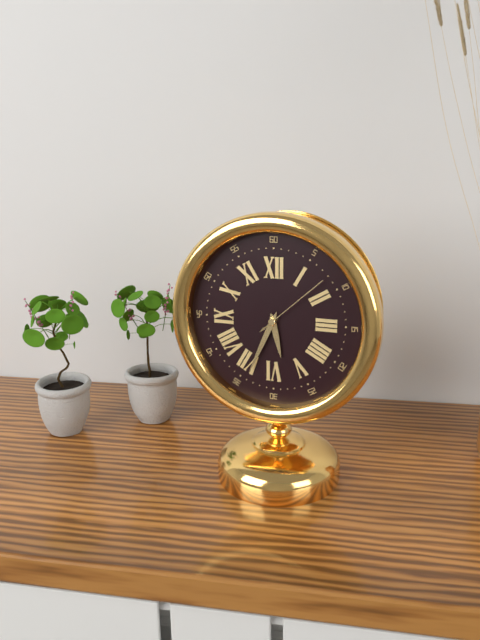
h=5 m=34 s=8
